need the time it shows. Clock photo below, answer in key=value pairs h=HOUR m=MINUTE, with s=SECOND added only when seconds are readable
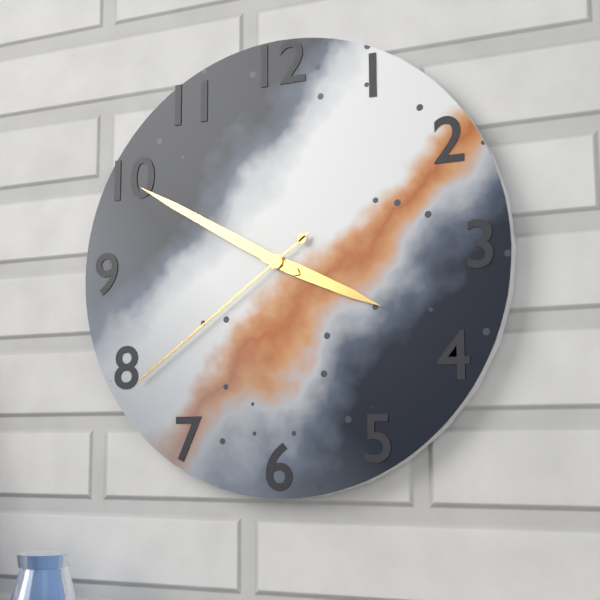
h=3 m=50 s=39
